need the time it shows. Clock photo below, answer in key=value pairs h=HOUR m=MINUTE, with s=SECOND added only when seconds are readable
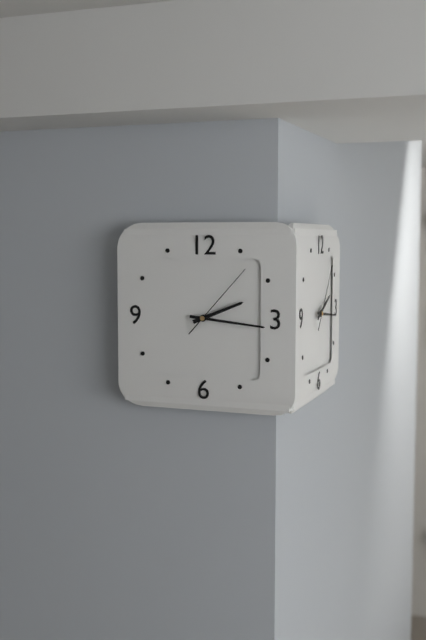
h=2 m=16 s=7
